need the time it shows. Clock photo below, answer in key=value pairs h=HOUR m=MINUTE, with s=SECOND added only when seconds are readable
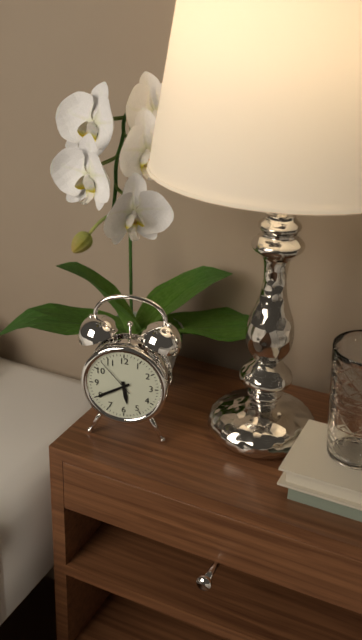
h=5 m=40
